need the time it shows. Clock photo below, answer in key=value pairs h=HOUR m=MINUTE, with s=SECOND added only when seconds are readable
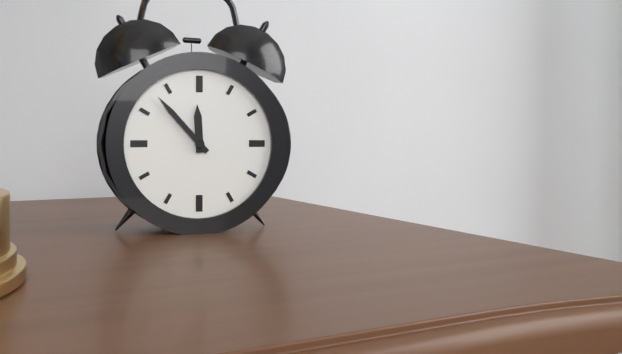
h=11 m=53
